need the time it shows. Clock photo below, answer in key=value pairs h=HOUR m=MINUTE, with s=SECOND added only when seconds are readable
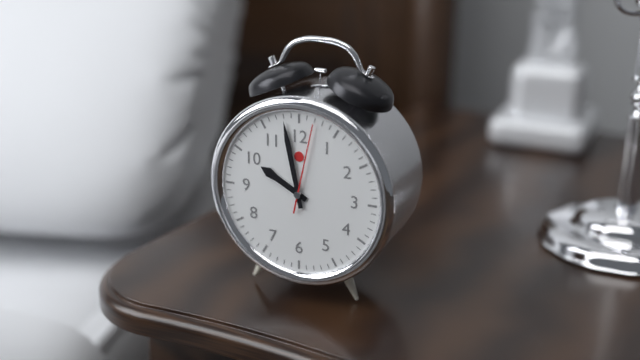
h=9 m=58 s=2
